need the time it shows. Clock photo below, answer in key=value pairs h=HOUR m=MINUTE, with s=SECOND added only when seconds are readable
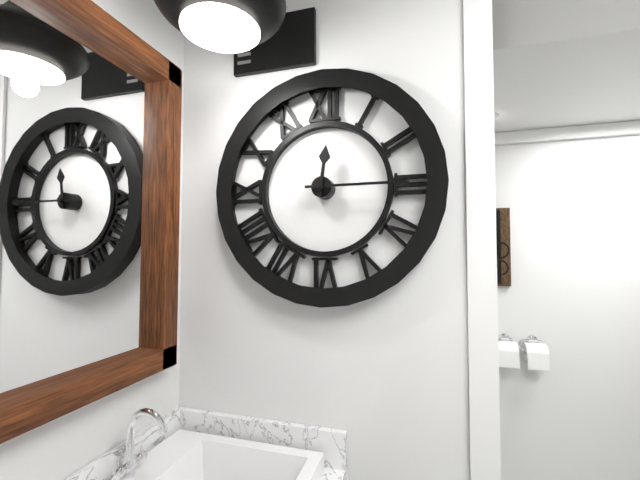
h=12 m=15
